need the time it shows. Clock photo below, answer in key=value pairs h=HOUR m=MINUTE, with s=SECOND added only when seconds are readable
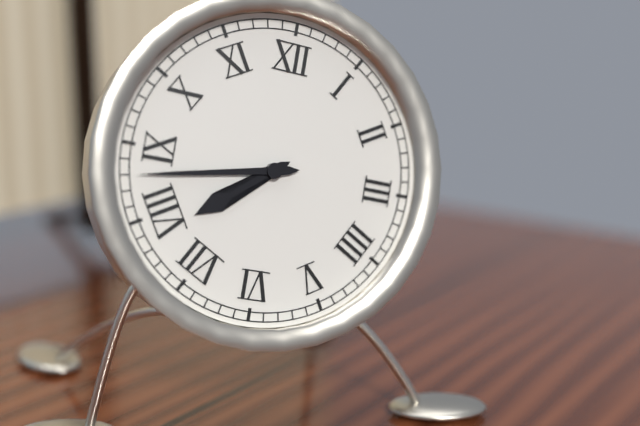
h=7 m=43
